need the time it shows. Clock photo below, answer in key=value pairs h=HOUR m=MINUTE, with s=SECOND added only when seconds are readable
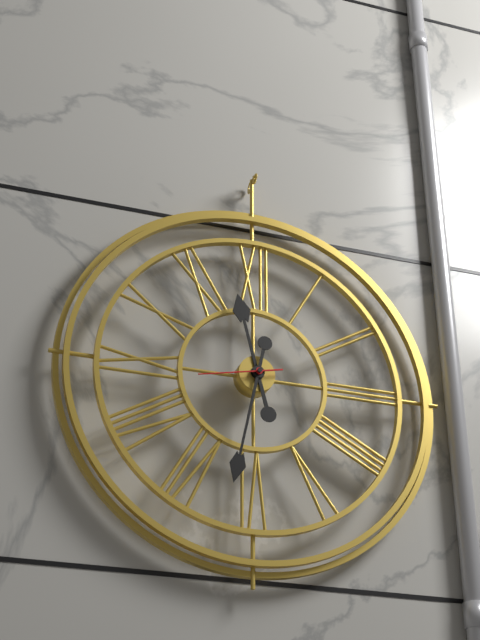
h=11 m=32 s=43
